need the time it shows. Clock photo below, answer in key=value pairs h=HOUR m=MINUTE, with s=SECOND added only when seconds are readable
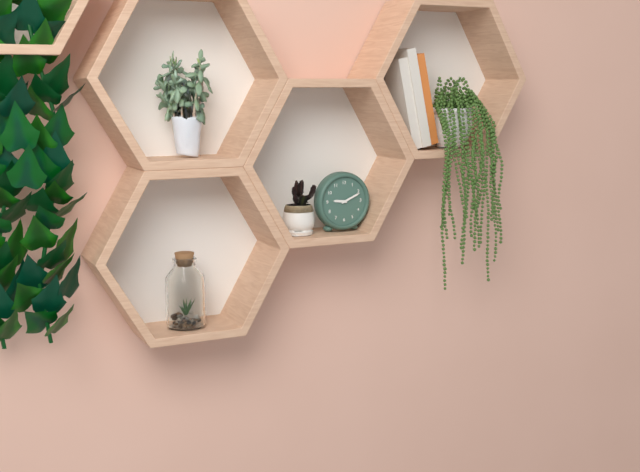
h=9 m=11
